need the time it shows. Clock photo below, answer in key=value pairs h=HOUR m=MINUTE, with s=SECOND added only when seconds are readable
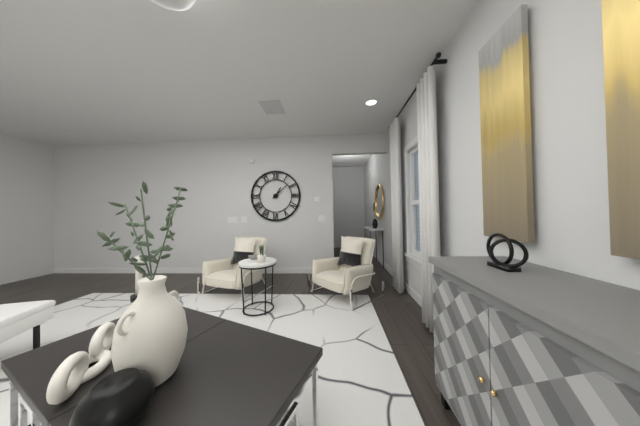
h=1 m=8
